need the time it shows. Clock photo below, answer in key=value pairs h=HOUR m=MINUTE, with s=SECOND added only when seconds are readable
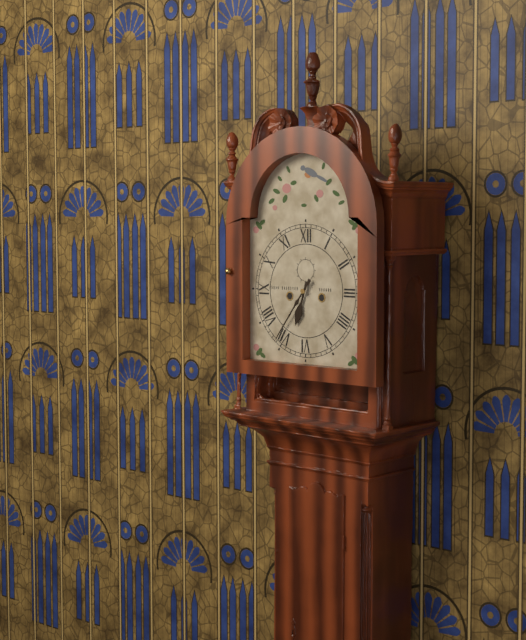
h=6 m=36
